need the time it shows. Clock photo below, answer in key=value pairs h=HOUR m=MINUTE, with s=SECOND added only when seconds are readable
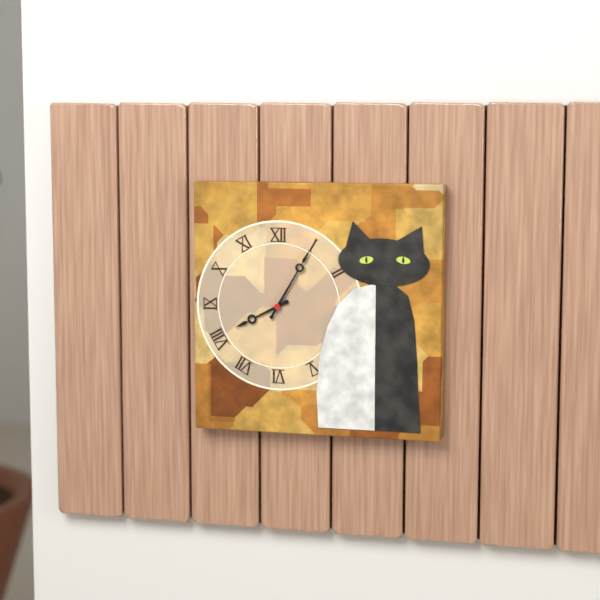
h=8 m=5
